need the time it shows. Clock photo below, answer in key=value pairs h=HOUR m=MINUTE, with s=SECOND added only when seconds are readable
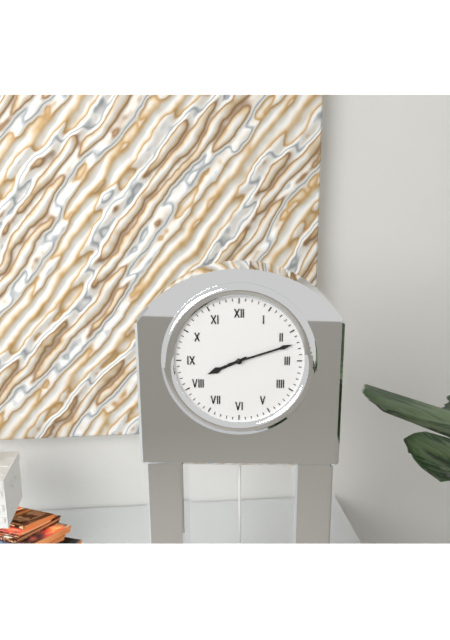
h=8 m=12
